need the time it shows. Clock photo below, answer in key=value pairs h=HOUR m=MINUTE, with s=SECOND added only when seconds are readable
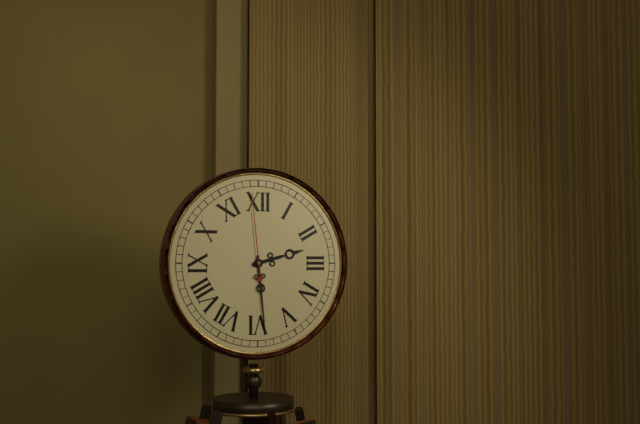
h=2 m=29 s=59
